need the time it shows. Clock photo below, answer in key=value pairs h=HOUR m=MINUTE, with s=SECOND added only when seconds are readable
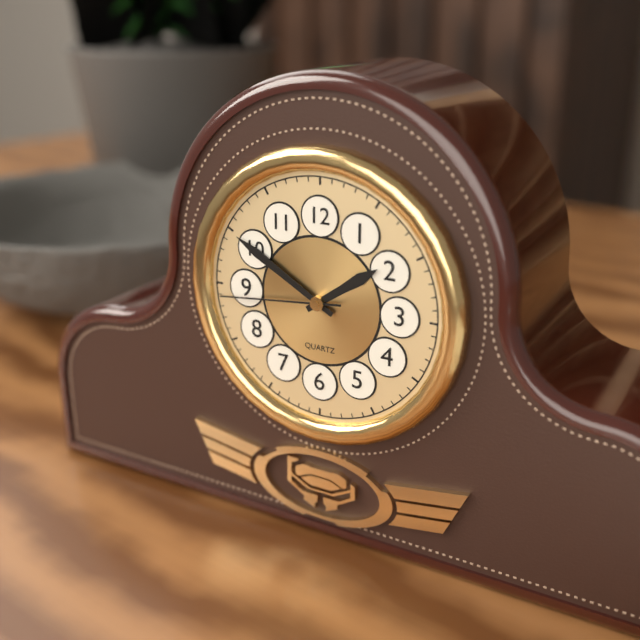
h=1 m=50 s=44
